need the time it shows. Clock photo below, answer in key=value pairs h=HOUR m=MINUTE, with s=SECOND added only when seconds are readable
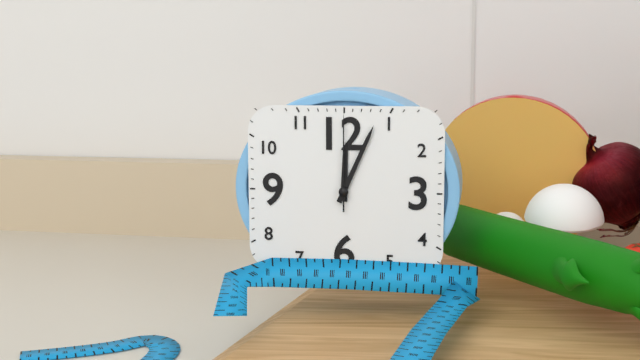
h=12 m=4 s=0
